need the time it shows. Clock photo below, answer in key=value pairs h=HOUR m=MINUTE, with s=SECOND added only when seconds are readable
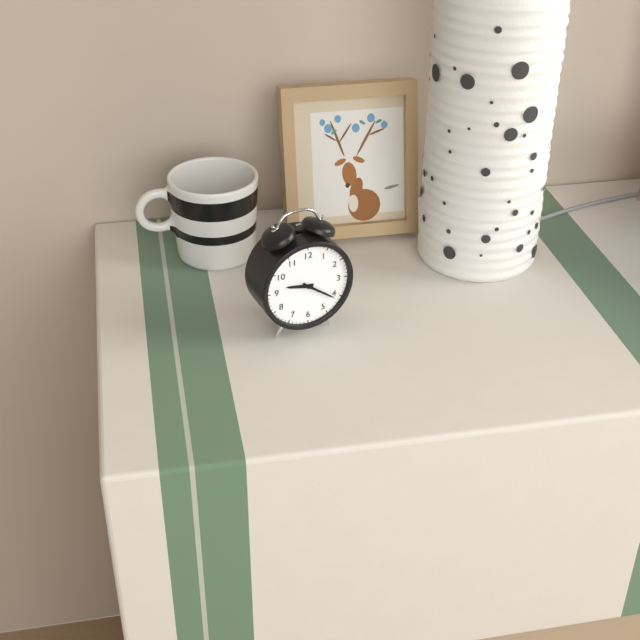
h=9 m=21
